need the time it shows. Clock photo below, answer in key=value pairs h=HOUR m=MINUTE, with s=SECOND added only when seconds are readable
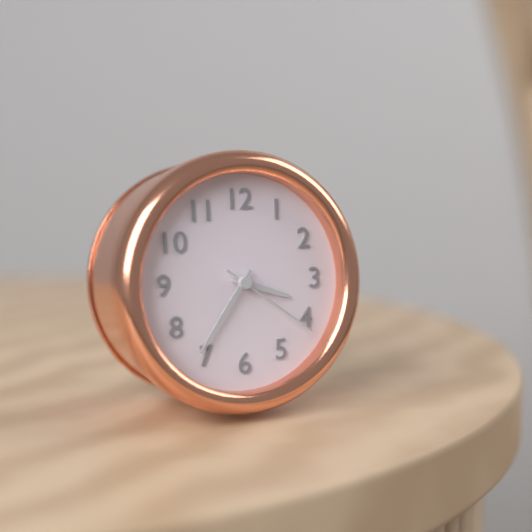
h=3 m=36 s=21
